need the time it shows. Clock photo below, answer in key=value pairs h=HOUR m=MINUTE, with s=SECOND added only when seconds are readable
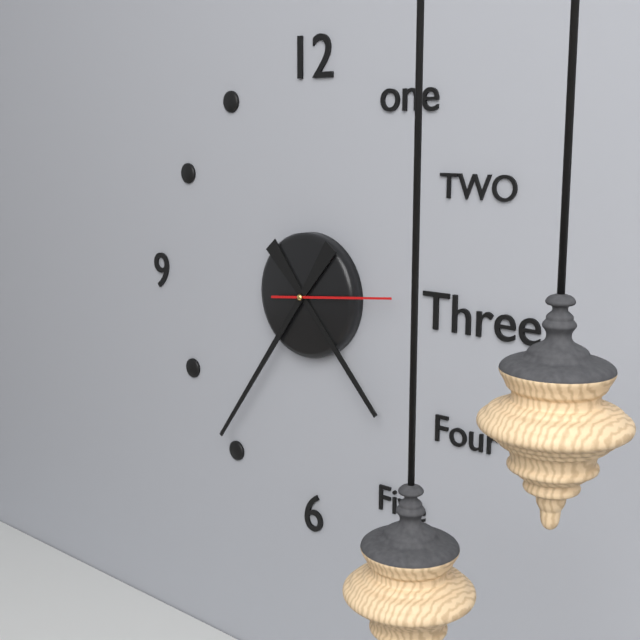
h=4 m=36 s=14
